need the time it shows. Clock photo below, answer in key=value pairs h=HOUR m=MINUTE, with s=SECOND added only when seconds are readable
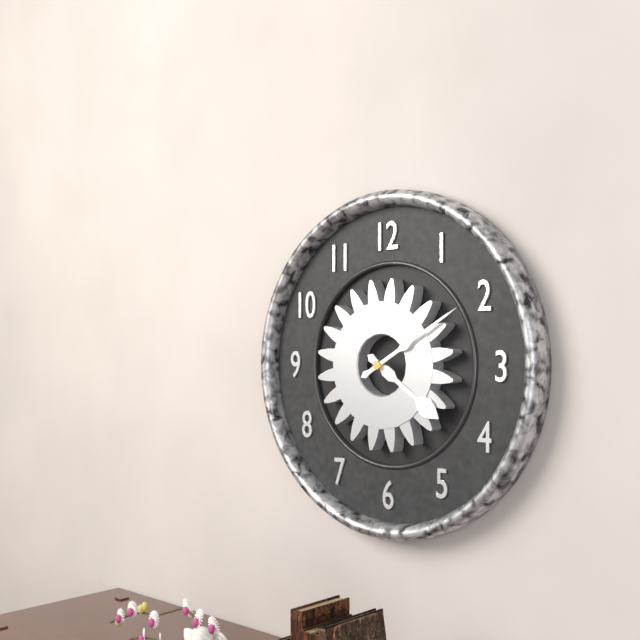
h=4 m=10
